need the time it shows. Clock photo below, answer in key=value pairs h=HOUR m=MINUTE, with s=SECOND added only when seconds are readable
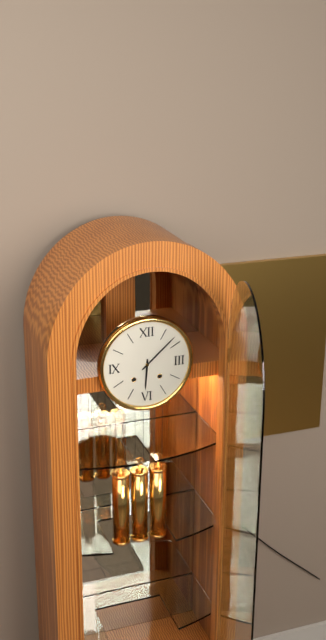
h=6 m=8
